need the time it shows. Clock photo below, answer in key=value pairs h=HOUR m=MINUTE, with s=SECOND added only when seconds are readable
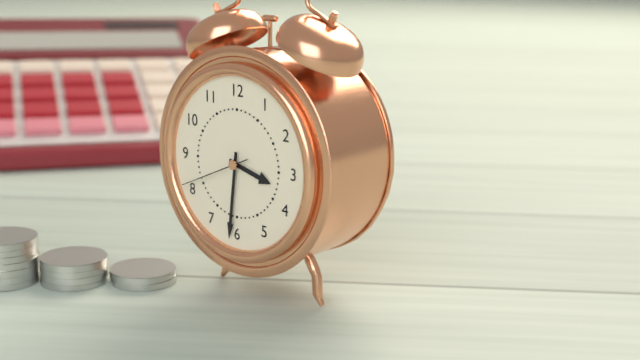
h=3 m=31 s=41
